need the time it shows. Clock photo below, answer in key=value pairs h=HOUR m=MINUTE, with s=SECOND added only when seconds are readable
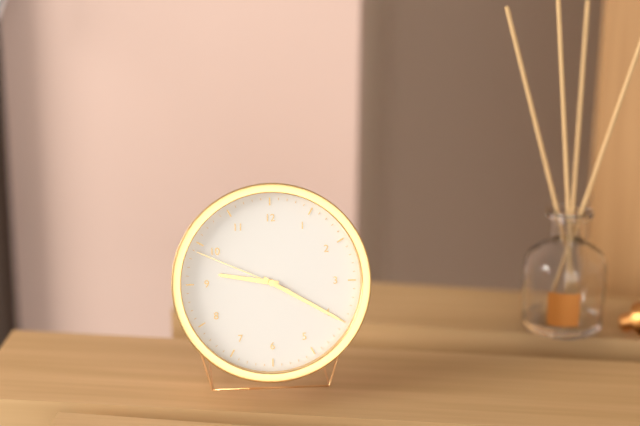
h=9 m=20 s=49
